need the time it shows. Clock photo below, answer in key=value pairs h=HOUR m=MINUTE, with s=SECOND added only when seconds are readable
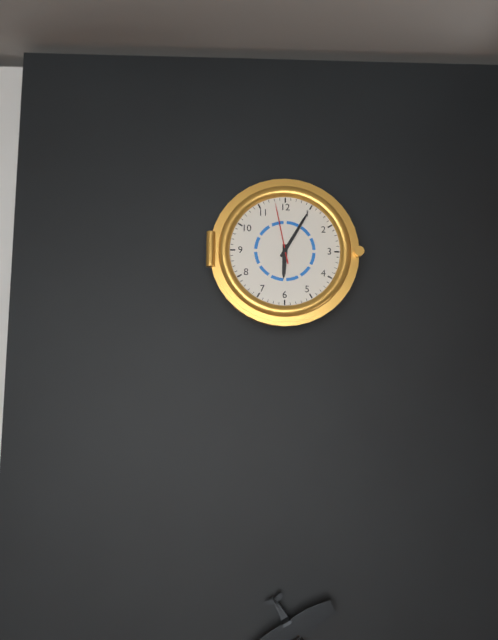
h=6 m=5 s=58
